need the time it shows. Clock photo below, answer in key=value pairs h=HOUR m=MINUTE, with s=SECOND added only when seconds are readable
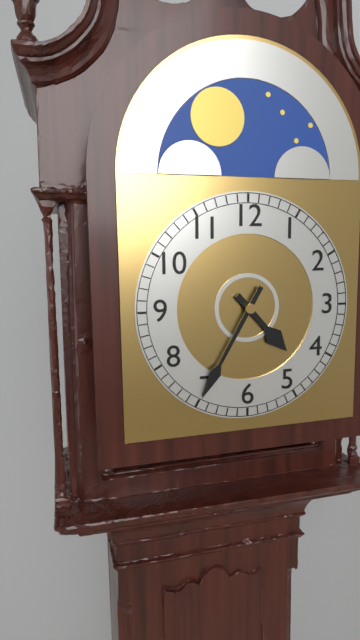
h=4 m=35
